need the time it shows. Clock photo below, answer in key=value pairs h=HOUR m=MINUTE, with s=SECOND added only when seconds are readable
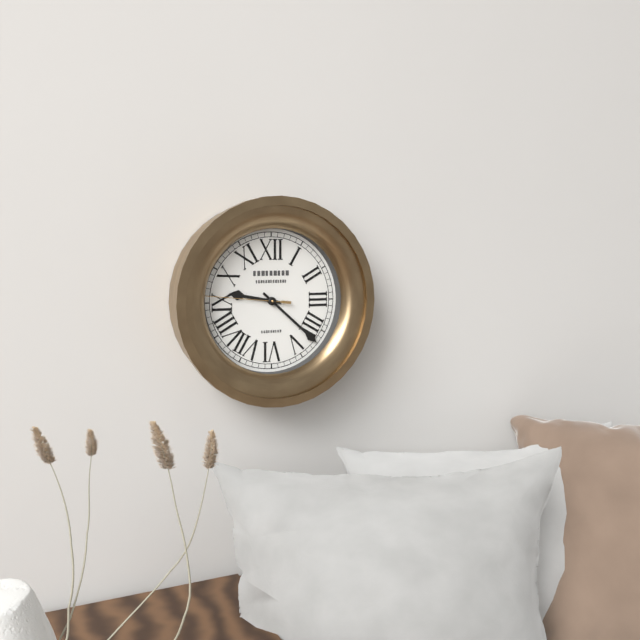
h=9 m=22 s=46
